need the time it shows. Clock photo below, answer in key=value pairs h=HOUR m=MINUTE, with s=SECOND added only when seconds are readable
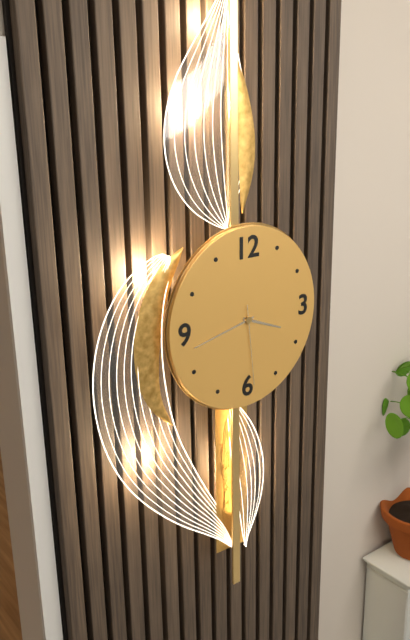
h=3 m=43 s=29
